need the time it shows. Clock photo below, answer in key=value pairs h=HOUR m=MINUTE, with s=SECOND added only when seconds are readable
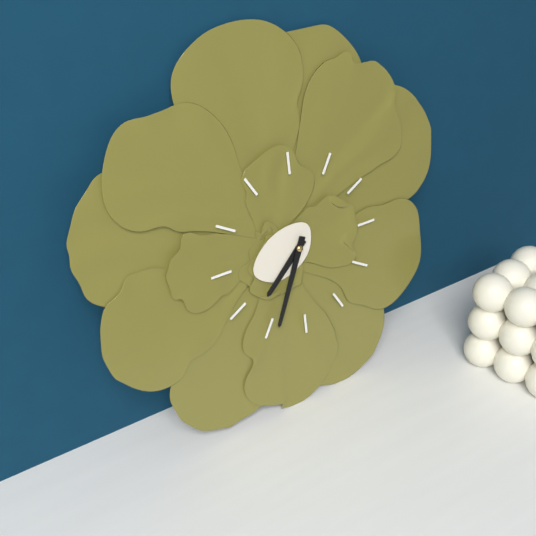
h=7 m=34
